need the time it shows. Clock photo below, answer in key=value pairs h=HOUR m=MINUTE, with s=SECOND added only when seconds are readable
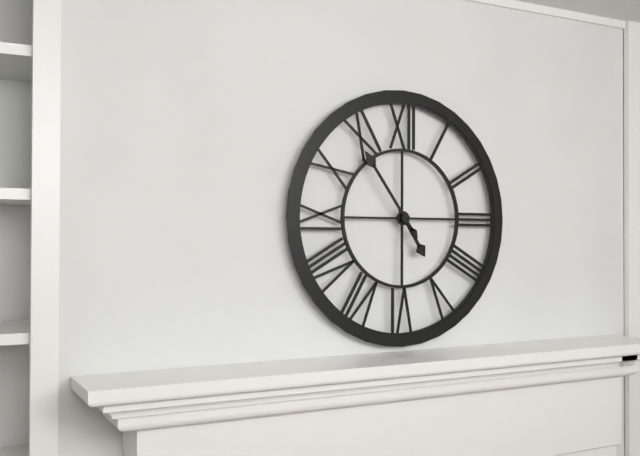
h=4 m=54
